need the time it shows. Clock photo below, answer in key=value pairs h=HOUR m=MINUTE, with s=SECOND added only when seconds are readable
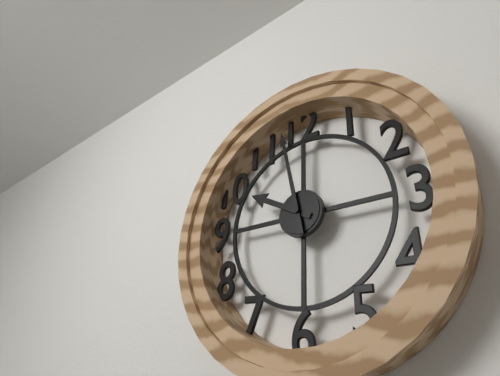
h=9 m=58
